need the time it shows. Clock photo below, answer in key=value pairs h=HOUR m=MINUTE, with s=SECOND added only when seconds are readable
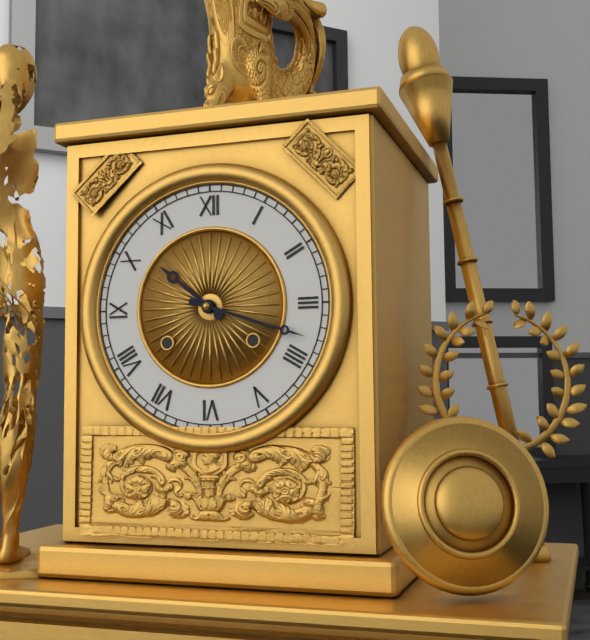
h=10 m=18
